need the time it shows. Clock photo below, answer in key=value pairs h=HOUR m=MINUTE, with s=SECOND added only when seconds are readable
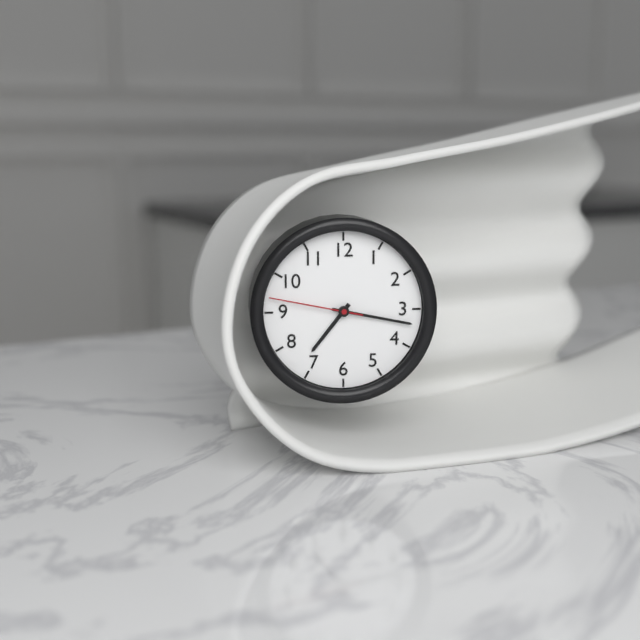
h=7 m=17 s=47
